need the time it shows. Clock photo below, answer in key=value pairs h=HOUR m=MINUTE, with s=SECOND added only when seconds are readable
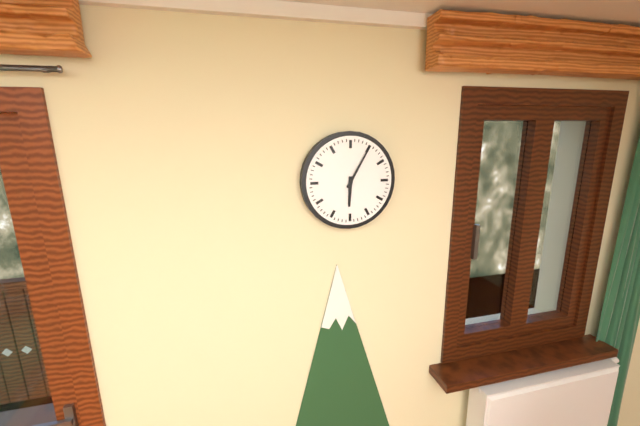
h=6 m=5
